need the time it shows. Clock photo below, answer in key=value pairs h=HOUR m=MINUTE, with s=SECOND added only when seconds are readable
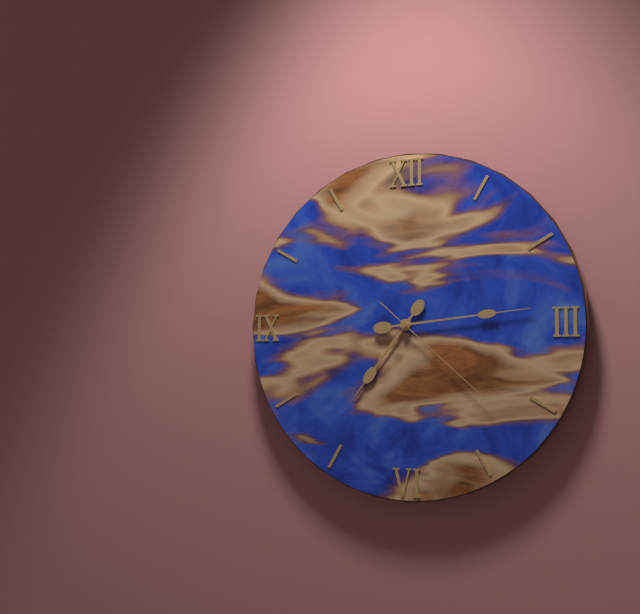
h=7 m=14 s=22
